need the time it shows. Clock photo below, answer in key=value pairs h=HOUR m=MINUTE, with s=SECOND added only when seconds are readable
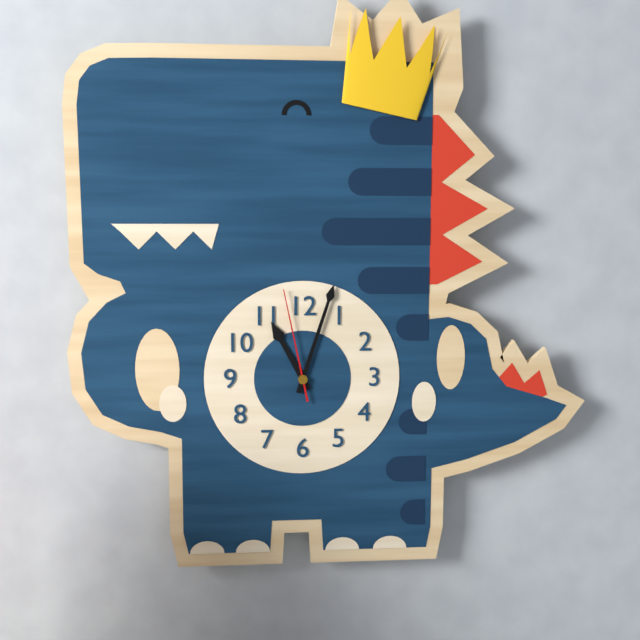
h=11 m=3 s=58
